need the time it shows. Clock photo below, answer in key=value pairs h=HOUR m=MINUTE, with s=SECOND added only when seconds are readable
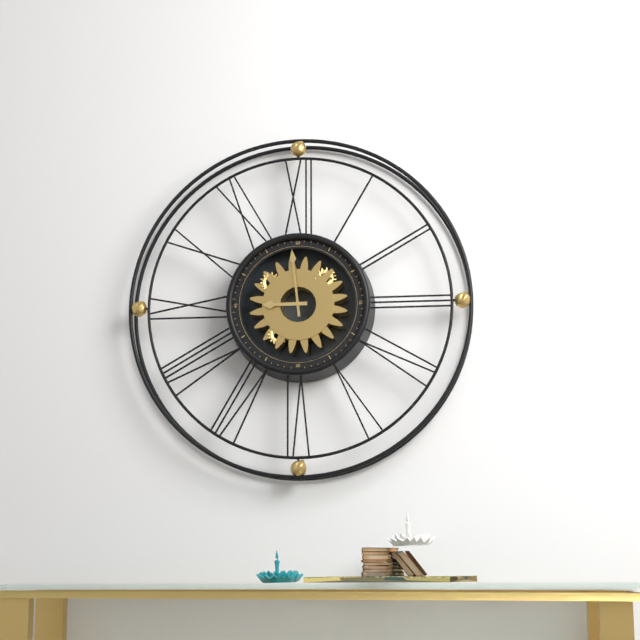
h=8 m=59
